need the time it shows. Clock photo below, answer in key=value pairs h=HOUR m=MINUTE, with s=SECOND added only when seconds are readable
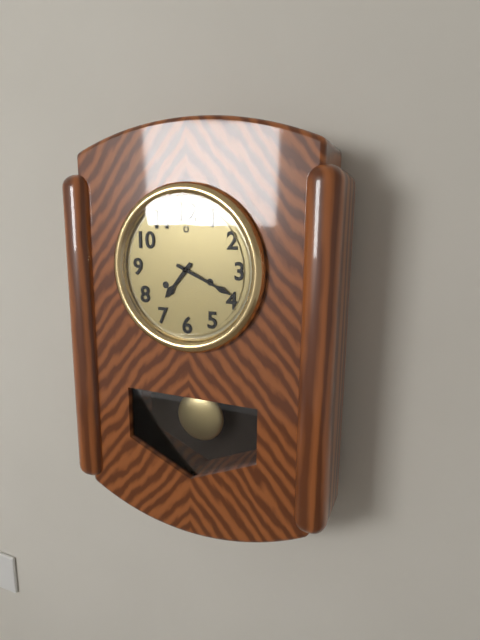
h=7 m=19
